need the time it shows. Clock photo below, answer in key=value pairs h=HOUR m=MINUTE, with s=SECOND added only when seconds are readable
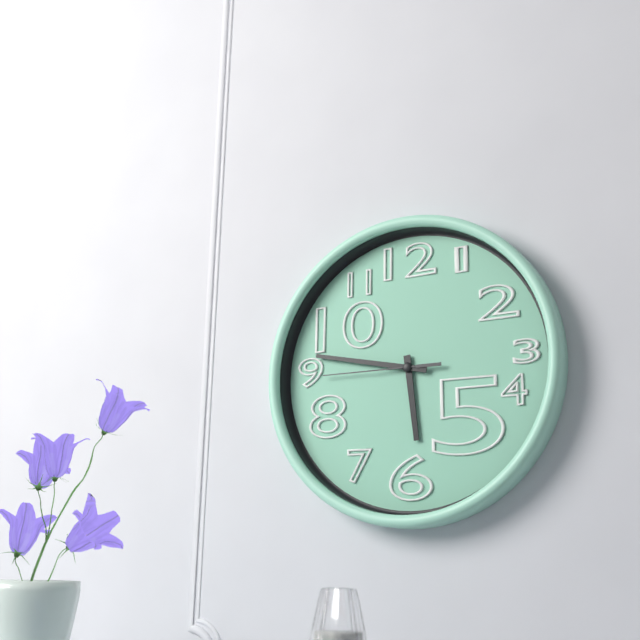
h=5 m=47 s=45
